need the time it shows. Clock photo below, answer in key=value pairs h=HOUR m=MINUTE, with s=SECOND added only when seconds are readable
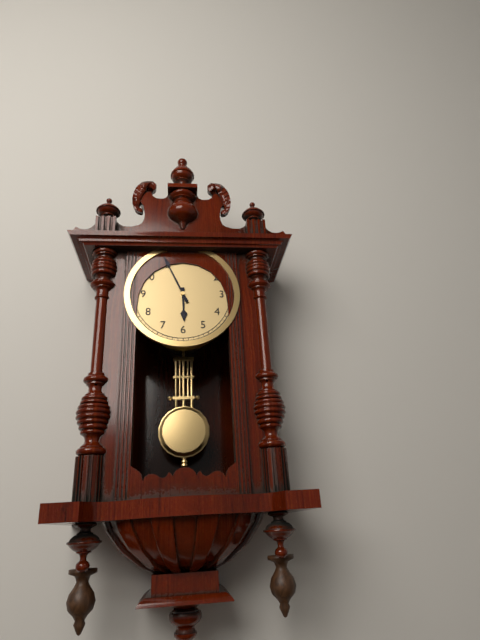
h=5 m=56
